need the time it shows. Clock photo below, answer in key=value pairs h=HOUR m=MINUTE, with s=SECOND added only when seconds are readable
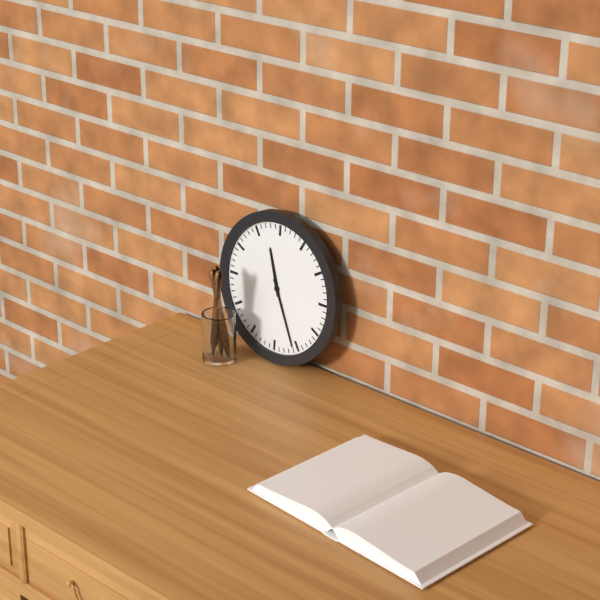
h=11 m=26
